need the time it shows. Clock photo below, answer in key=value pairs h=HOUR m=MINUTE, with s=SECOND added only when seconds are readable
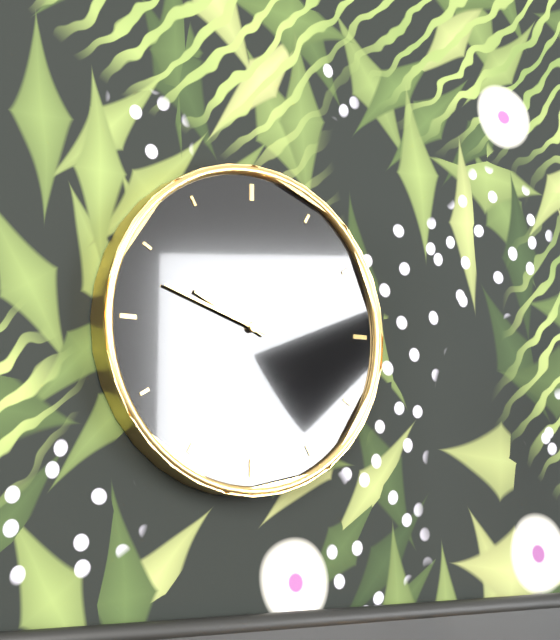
h=9 m=48
